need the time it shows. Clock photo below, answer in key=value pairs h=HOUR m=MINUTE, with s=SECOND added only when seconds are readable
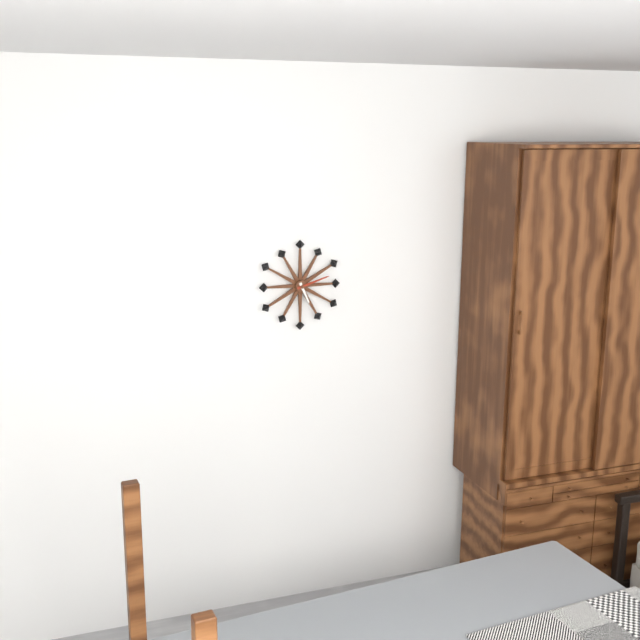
h=5 m=12
